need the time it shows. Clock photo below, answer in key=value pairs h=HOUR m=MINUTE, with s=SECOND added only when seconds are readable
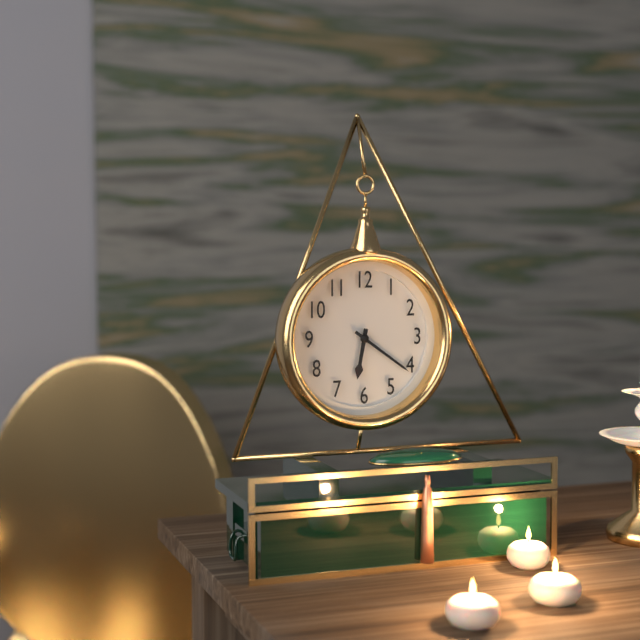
h=6 m=21
